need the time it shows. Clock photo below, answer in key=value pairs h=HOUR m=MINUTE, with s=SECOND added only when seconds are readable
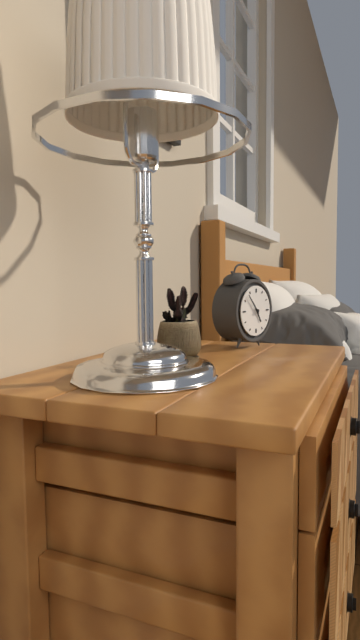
h=4 m=53
